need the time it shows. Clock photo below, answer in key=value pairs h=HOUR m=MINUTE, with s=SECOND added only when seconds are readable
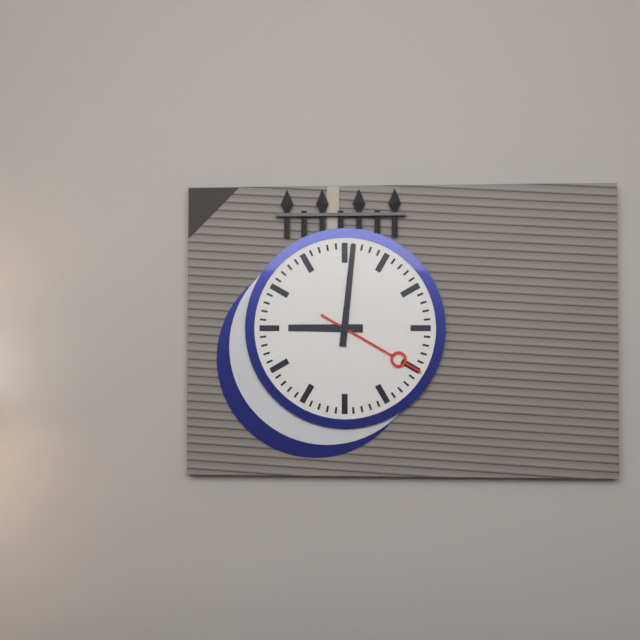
h=9 m=1 s=20
